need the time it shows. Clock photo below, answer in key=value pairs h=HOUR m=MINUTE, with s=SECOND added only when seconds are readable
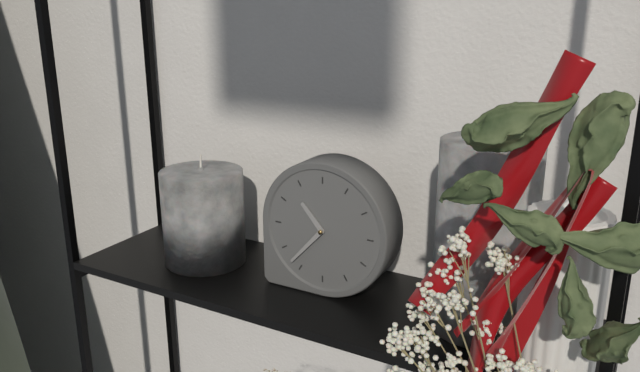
h=10 m=37
